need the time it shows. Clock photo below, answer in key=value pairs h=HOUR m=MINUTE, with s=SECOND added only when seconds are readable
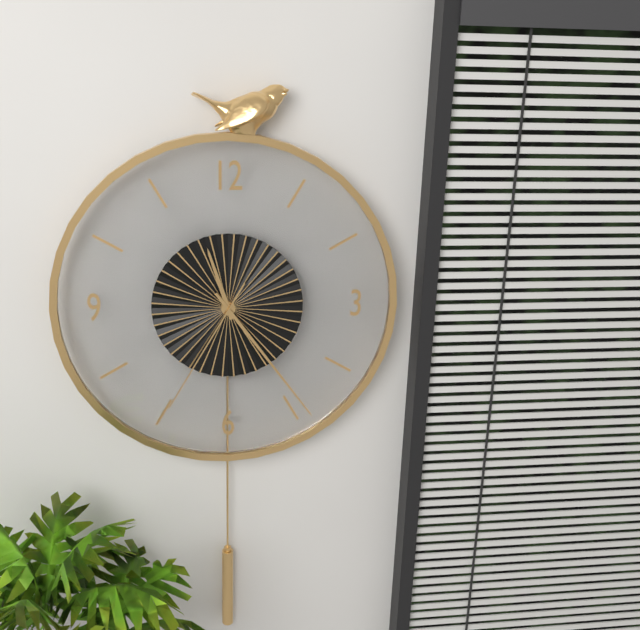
h=11 m=24 s=35
